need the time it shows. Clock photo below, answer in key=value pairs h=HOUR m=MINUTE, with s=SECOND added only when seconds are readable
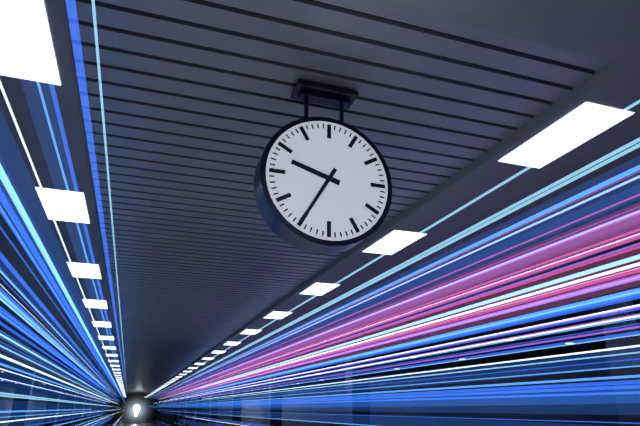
h=9 m=35
